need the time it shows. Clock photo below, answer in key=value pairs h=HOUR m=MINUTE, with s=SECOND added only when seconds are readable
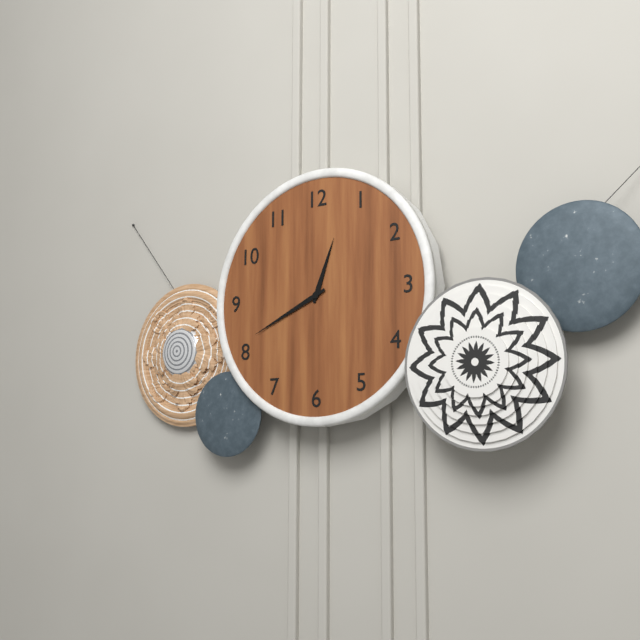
h=12 m=41
